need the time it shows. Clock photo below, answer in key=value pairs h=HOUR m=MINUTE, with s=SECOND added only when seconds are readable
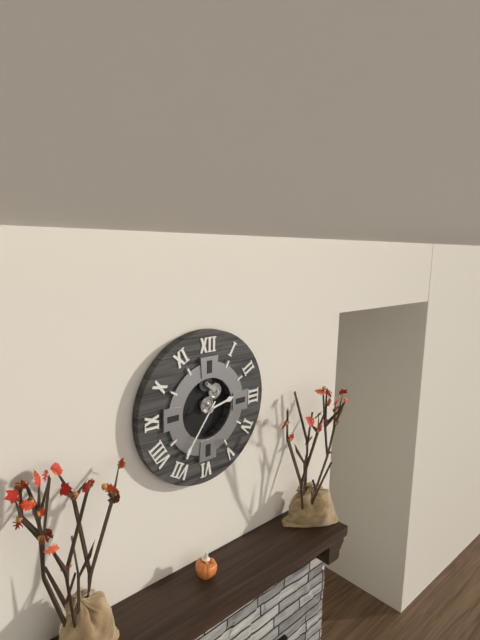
h=2 m=36
